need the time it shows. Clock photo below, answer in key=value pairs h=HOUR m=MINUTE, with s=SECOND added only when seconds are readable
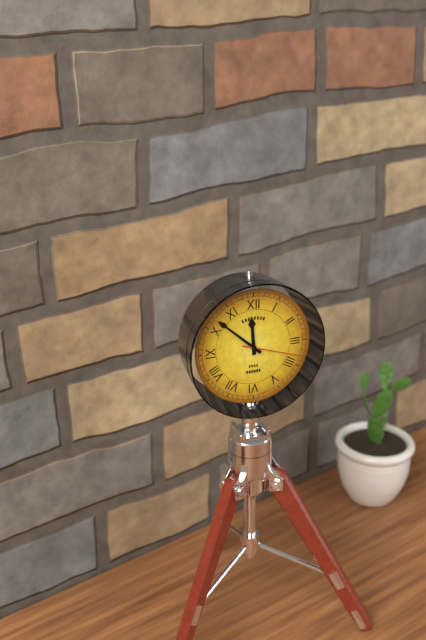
h=11 m=52 s=18
